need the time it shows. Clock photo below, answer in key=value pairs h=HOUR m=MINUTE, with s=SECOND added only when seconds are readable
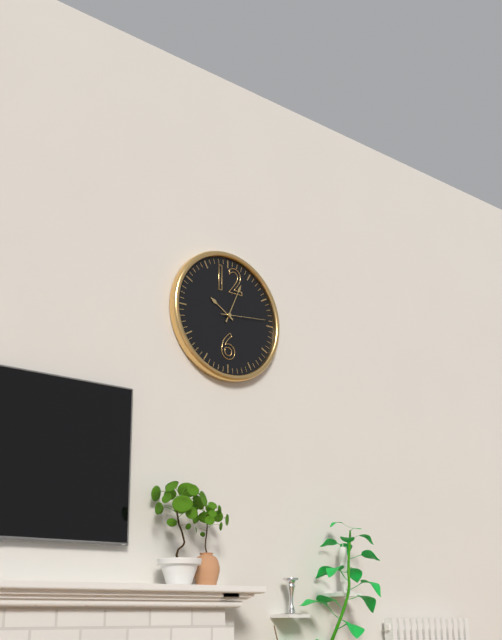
h=10 m=4
